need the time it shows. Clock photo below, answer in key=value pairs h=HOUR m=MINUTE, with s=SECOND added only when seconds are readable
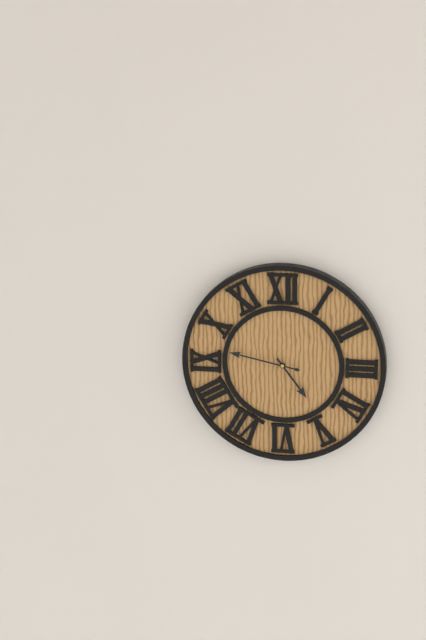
h=4 m=47
